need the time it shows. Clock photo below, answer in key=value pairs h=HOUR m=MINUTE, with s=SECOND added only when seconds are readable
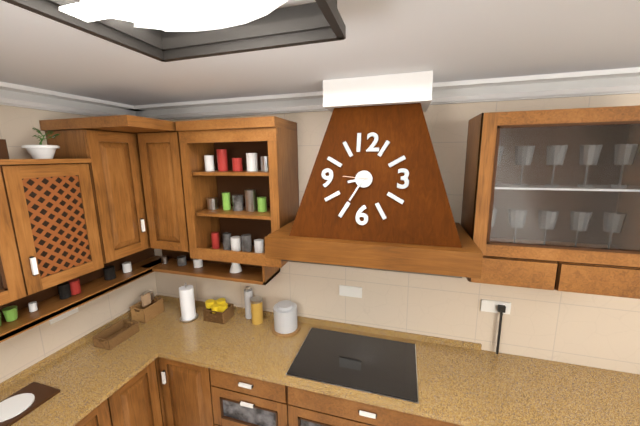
h=8 m=35
